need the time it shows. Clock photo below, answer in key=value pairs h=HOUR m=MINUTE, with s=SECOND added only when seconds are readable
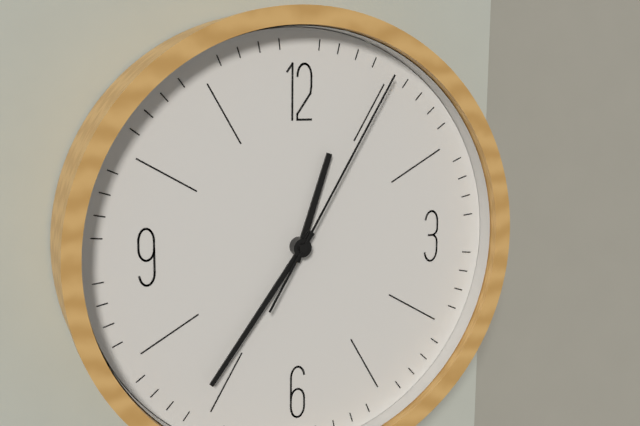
h=12 m=36 s=5
